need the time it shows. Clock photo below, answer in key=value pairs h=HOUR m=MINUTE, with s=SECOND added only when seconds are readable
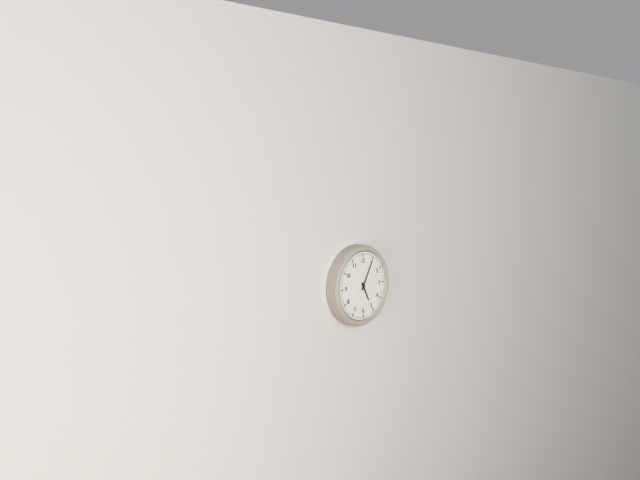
h=5 m=5
